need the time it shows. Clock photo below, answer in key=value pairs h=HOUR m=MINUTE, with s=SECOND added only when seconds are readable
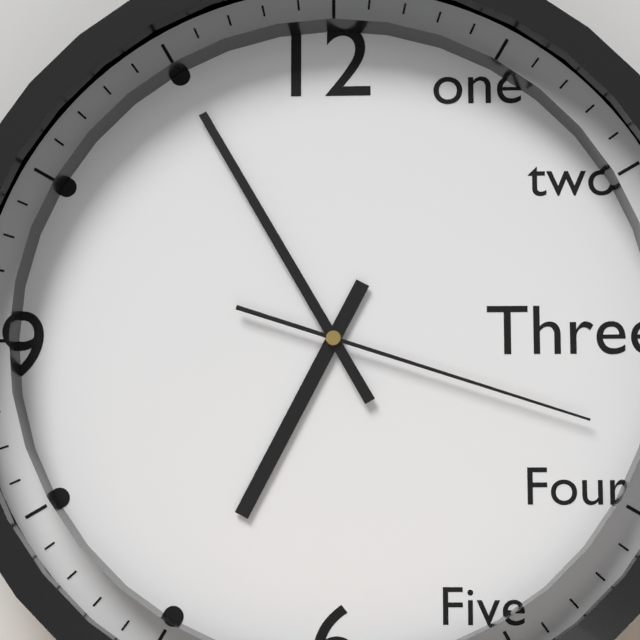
h=6 m=55 s=18
